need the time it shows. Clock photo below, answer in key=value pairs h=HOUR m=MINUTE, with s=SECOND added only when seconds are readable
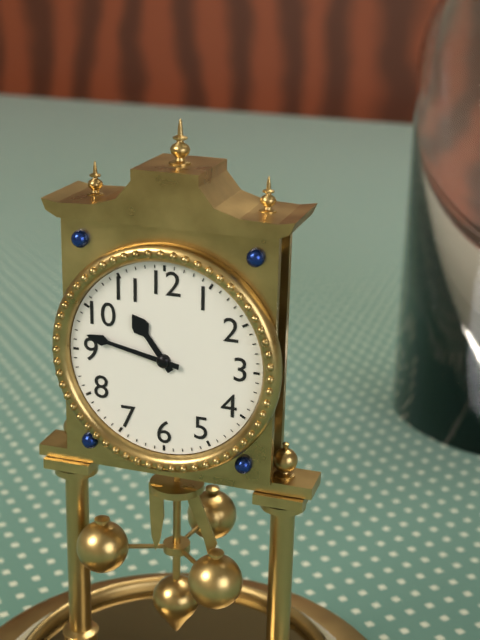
h=10 m=47
